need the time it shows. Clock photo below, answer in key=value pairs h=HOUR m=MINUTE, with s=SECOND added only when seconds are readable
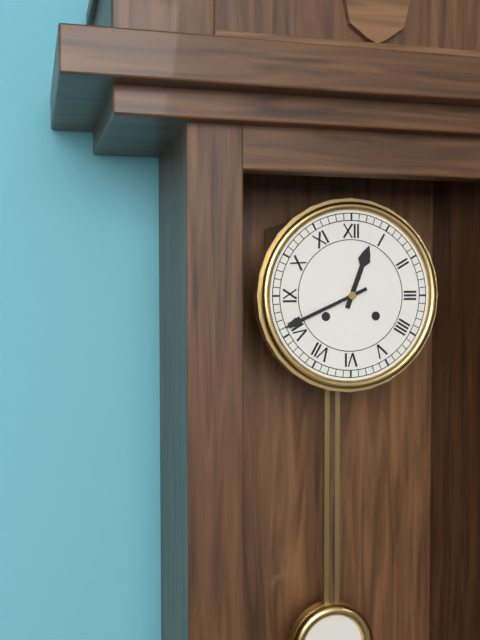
h=12 m=41
